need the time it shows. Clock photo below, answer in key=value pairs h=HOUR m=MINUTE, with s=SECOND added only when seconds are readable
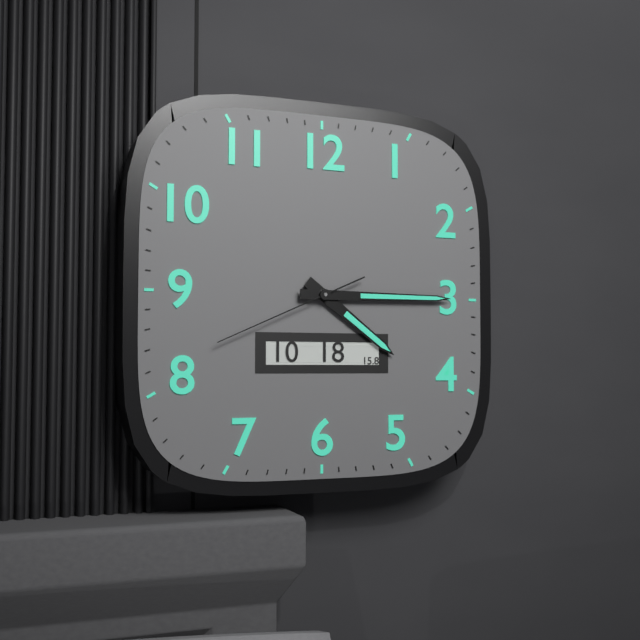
h=4 m=15 s=41
